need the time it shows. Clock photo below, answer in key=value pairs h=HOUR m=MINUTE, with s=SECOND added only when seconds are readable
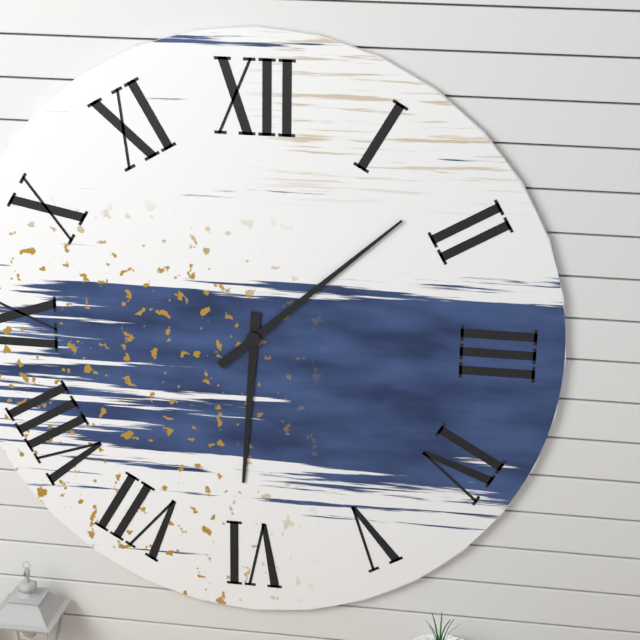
h=6 m=8
